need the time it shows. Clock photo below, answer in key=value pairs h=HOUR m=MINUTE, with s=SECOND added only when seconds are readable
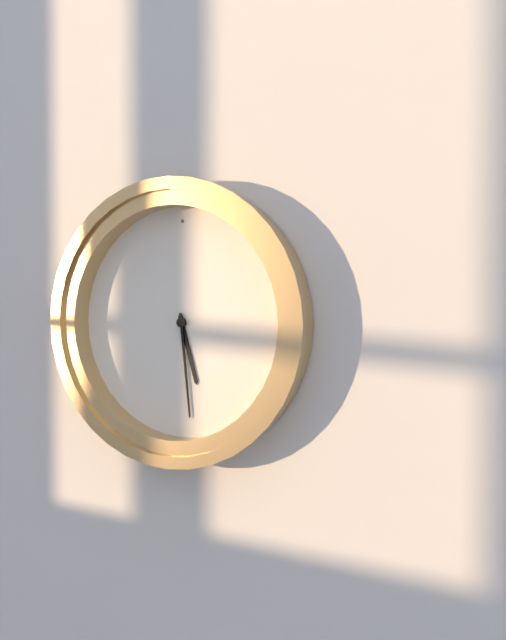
h=5 m=29
